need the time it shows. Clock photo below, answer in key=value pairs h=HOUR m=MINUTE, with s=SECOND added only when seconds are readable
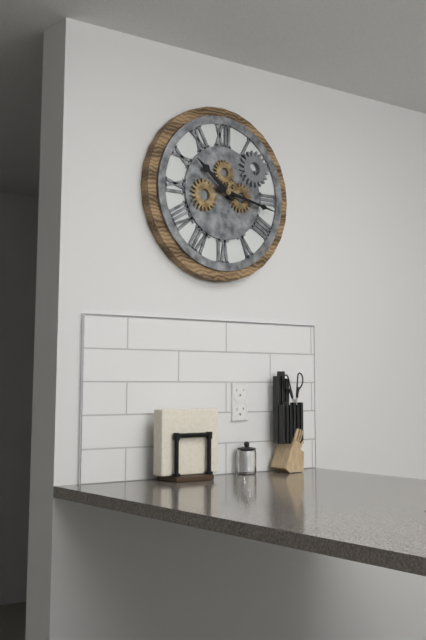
h=10 m=17
